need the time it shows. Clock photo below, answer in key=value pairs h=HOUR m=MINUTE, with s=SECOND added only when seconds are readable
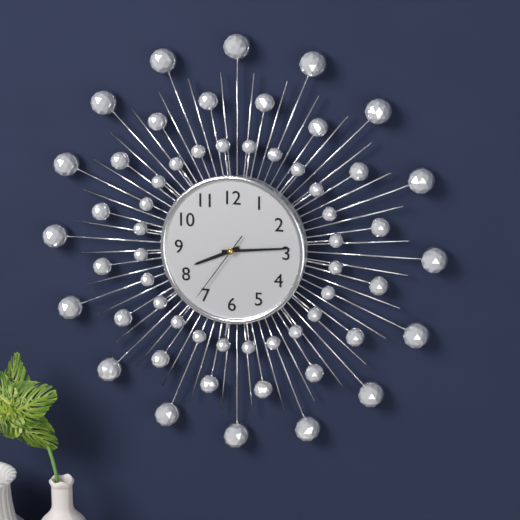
h=8 m=14 s=36
